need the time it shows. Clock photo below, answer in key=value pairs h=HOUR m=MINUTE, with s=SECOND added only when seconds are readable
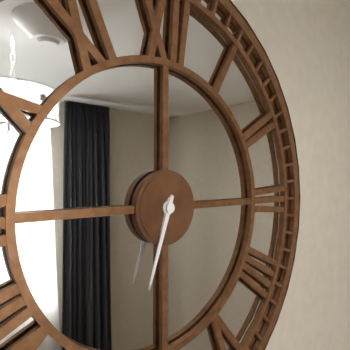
h=6 m=33
